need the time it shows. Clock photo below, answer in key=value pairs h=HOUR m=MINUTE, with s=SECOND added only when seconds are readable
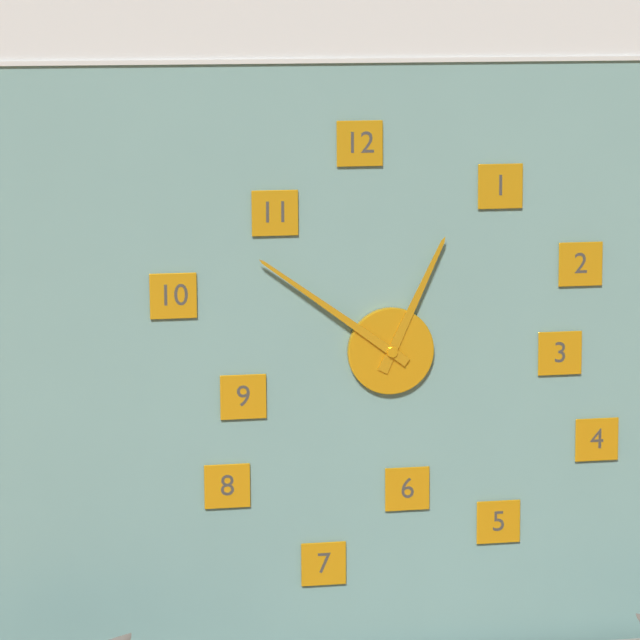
h=12 m=51
